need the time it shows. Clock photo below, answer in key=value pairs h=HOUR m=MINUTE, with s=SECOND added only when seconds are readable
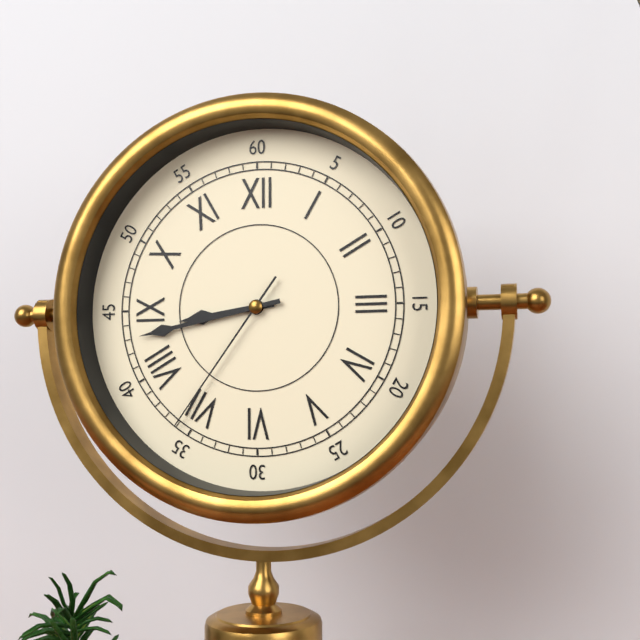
h=8 m=43 s=36
